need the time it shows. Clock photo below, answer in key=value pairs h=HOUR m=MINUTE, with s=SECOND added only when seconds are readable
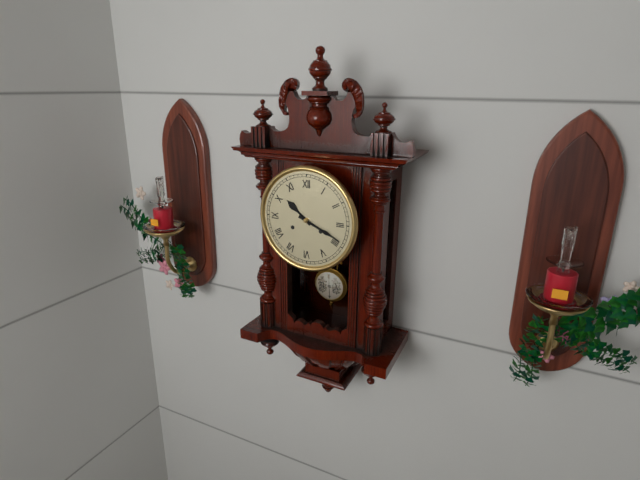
h=10 m=19
